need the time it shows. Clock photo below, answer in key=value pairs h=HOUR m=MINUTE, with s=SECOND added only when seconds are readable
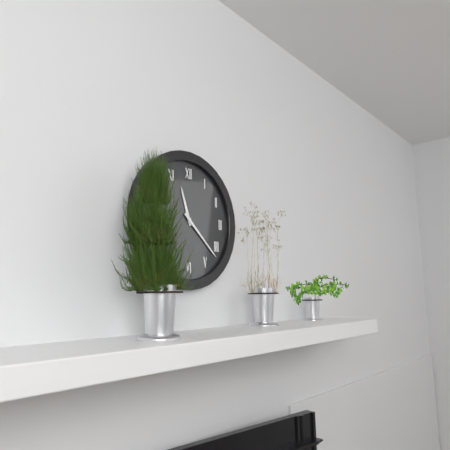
h=11 m=22
